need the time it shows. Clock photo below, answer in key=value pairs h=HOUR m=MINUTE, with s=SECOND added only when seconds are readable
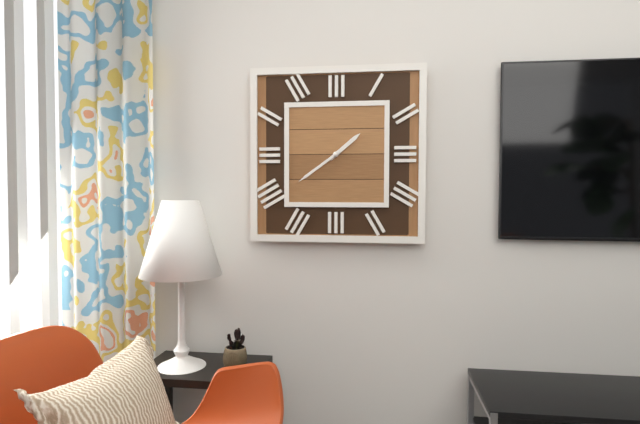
h=1 m=39
